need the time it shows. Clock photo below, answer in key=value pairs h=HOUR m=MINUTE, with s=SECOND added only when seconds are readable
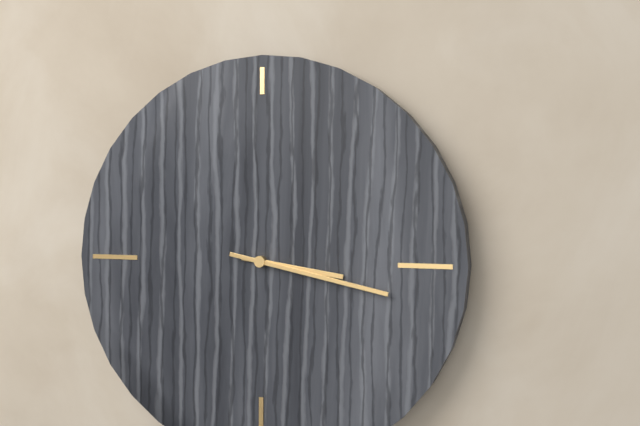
h=3 m=17
